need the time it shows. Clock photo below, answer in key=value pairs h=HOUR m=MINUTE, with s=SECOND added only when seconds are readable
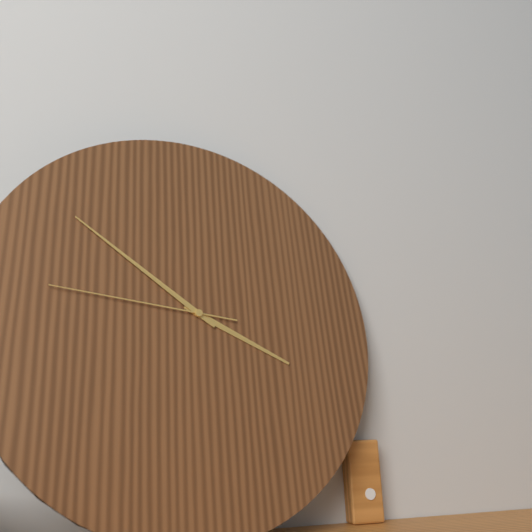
h=3 m=51 s=46
